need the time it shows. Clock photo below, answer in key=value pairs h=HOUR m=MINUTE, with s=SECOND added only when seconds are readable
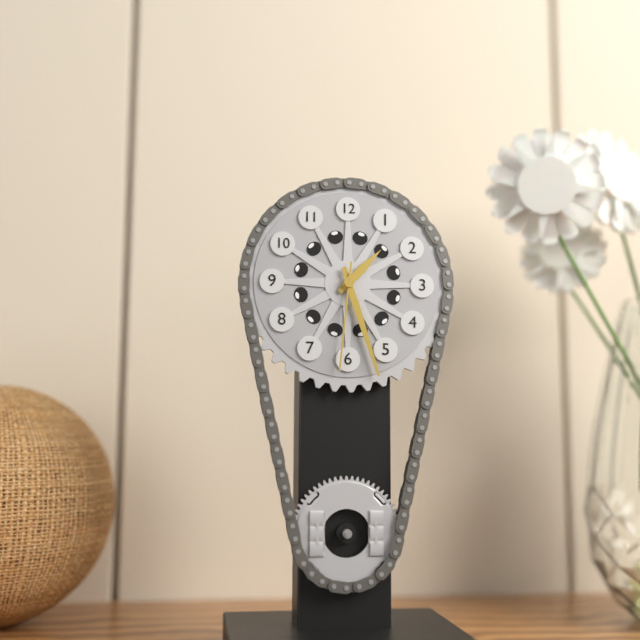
h=1 m=27 s=31
